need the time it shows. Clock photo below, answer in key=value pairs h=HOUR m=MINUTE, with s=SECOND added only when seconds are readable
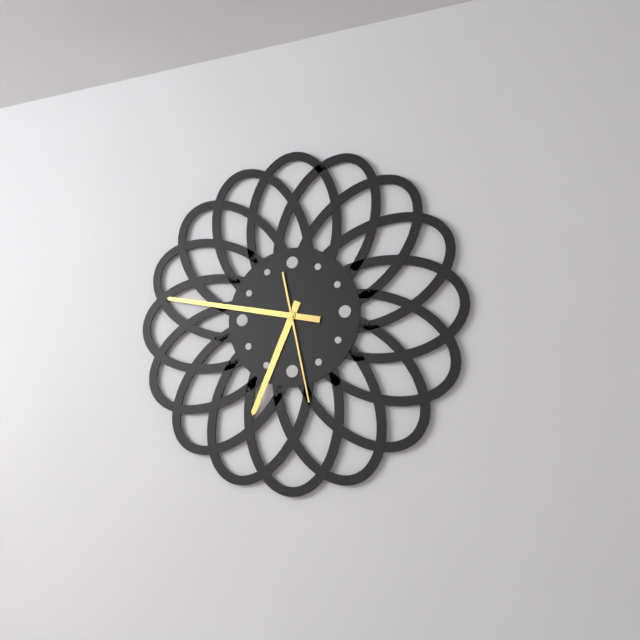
h=6 m=47 s=28
